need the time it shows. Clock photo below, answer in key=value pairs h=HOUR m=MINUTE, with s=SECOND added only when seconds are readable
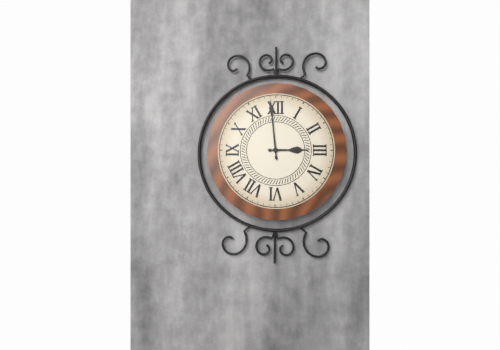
h=2 m=59
